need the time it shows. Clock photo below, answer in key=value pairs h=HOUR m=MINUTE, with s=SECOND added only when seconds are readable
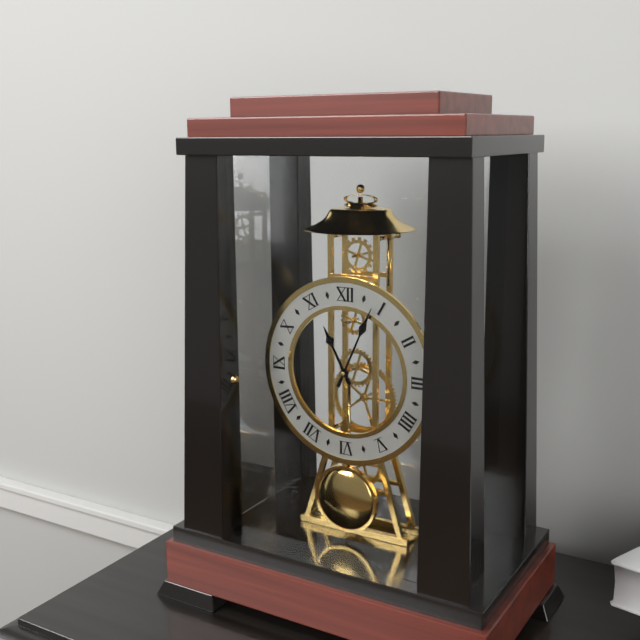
h=11 m=4
